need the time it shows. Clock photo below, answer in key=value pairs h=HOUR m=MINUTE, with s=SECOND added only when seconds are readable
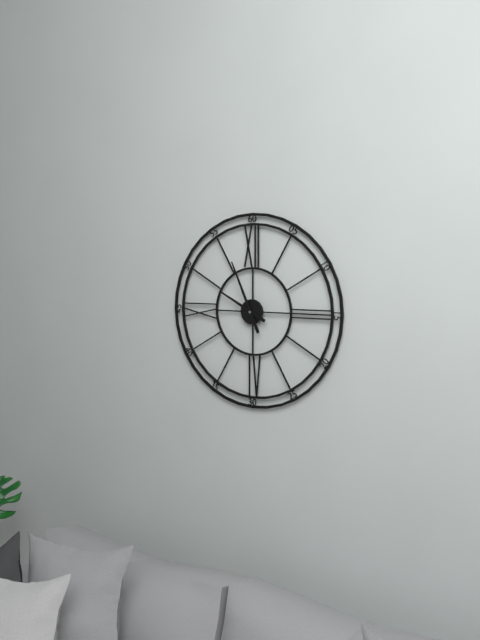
h=9 m=56
